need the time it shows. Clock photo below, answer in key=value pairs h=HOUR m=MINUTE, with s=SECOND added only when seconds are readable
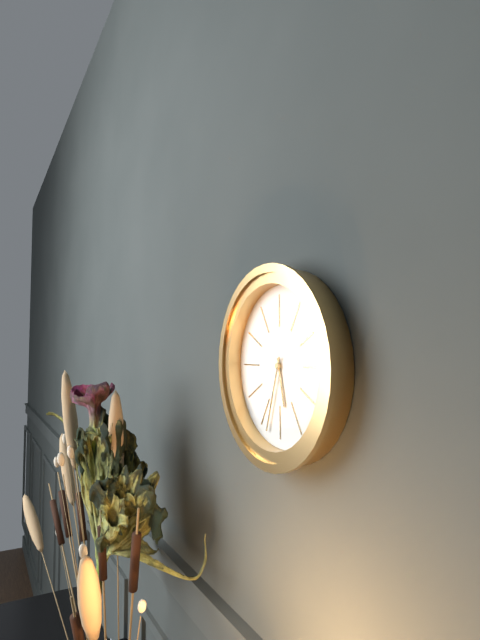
h=5 m=33
